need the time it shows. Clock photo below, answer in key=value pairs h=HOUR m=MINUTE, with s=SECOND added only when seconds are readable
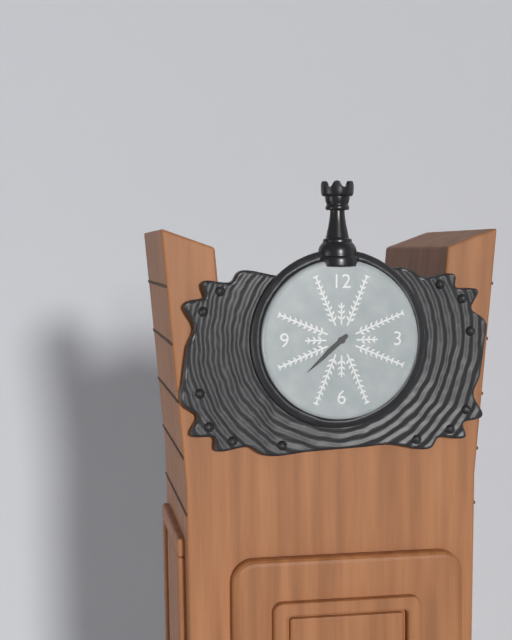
h=7 m=38
